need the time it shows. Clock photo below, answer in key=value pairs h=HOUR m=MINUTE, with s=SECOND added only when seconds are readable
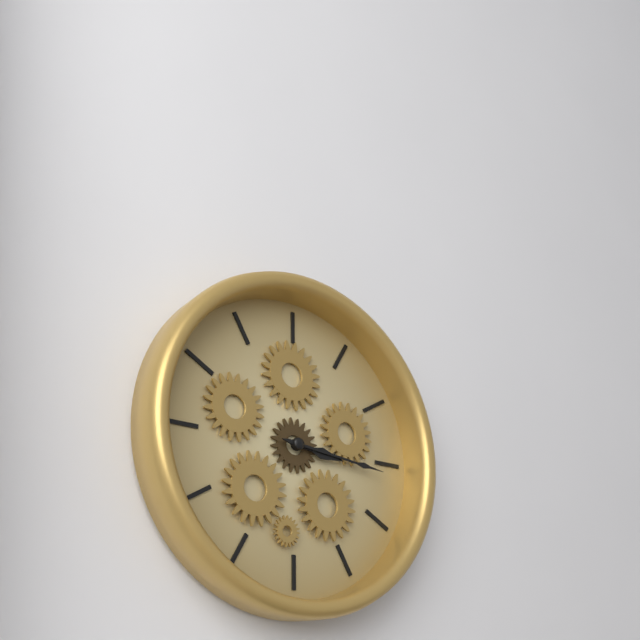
h=3 m=16
